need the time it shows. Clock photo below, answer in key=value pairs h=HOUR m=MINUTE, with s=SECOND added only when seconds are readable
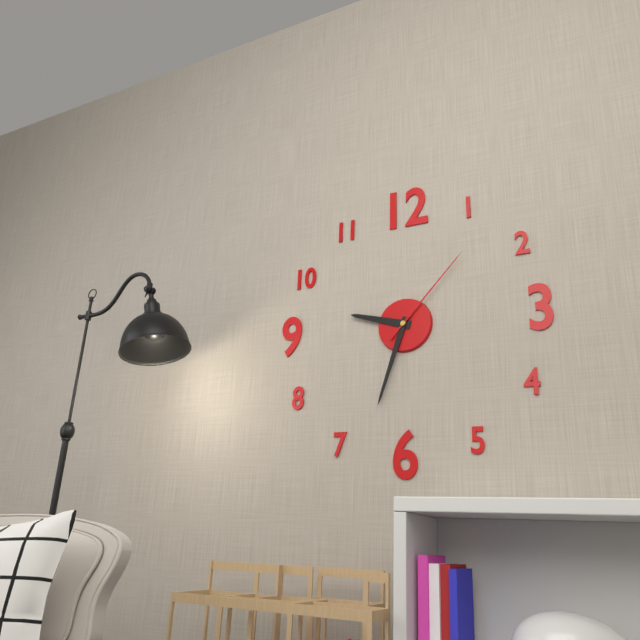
h=9 m=33 s=7
